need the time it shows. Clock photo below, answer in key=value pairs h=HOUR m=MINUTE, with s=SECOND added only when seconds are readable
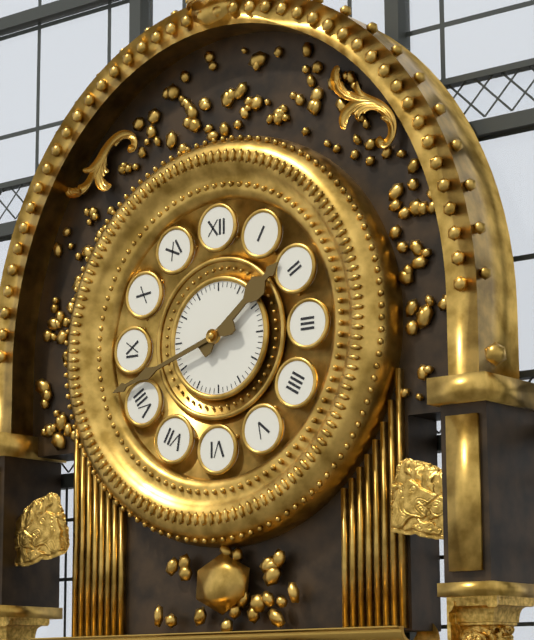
h=1 m=42
